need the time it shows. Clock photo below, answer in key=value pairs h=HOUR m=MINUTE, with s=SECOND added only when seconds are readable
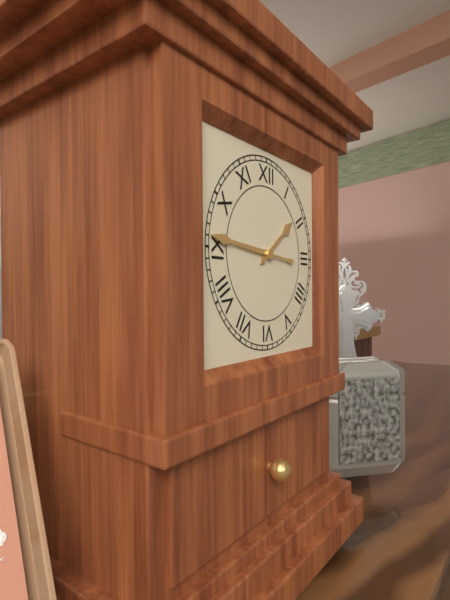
h=1 m=46
